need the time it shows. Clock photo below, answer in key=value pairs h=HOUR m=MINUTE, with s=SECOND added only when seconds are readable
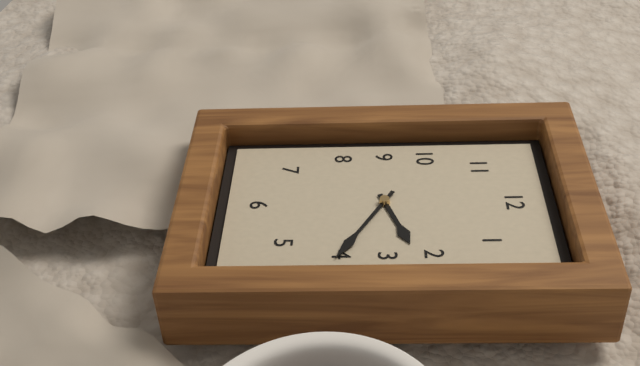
h=2 m=20
